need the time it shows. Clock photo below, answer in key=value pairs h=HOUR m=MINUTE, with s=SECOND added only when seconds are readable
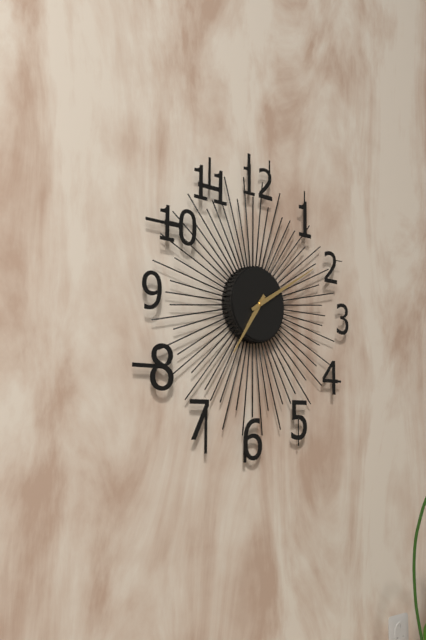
h=7 m=10
